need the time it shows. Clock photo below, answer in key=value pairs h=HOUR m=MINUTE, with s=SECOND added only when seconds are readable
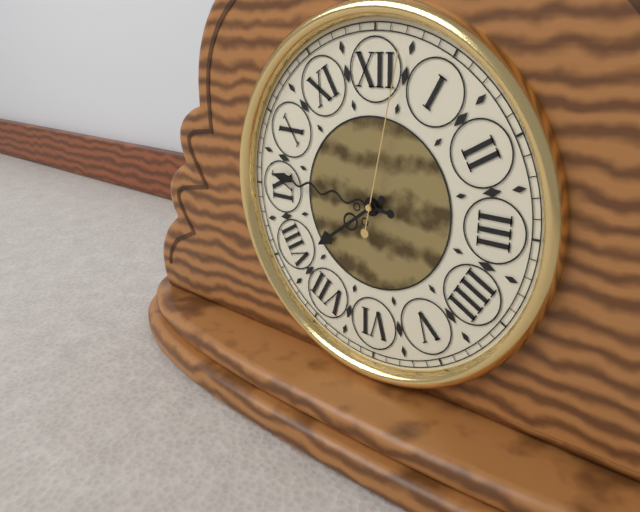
h=7 m=46 s=2
